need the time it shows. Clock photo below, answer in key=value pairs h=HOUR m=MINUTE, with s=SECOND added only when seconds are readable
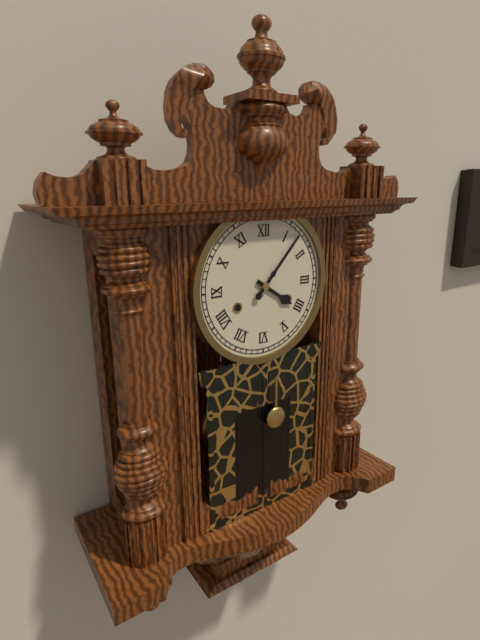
h=4 m=7
